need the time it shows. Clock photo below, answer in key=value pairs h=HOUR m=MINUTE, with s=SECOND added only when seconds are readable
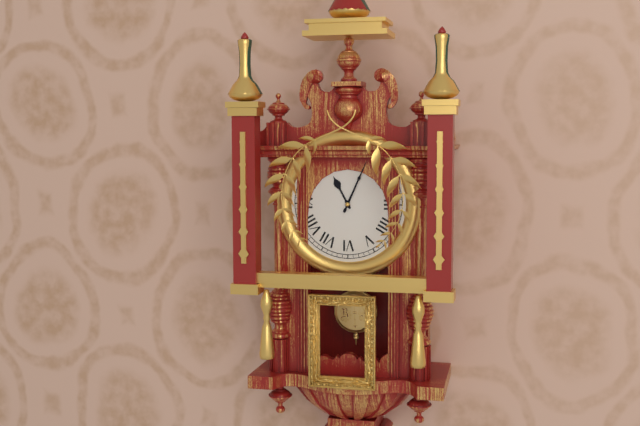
h=11 m=4
